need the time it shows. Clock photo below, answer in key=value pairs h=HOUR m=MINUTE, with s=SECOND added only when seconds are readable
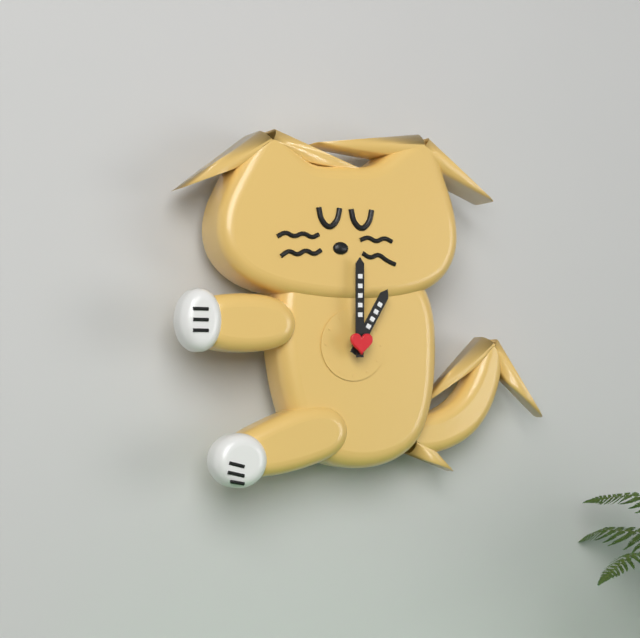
h=1 m=0
